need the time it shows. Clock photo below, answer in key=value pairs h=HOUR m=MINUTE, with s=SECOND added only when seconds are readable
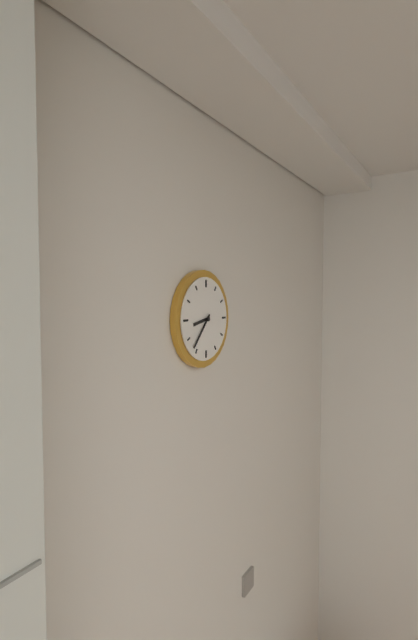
h=8 m=37
